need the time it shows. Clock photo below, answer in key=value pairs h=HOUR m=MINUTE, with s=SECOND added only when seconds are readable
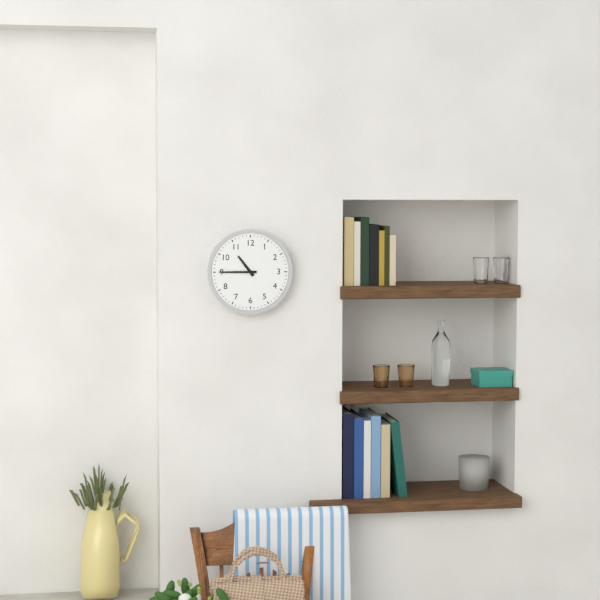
h=10 m=45
